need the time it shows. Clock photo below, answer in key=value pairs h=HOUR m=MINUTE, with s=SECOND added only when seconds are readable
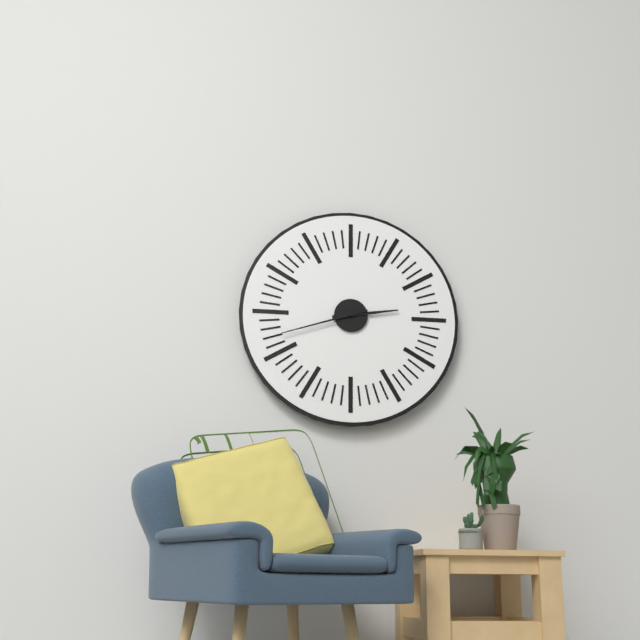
h=2 m=42
